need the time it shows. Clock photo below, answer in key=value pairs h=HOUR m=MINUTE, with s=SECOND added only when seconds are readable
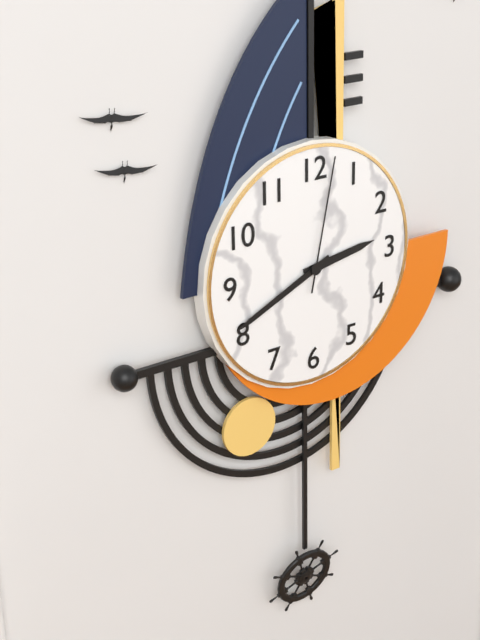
h=2 m=41 s=2
